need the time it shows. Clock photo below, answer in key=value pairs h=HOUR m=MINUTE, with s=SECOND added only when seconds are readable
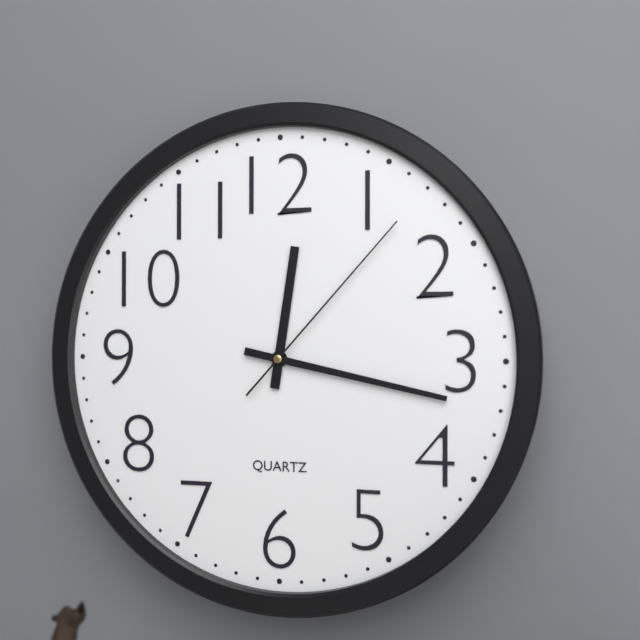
h=12 m=17 s=7
